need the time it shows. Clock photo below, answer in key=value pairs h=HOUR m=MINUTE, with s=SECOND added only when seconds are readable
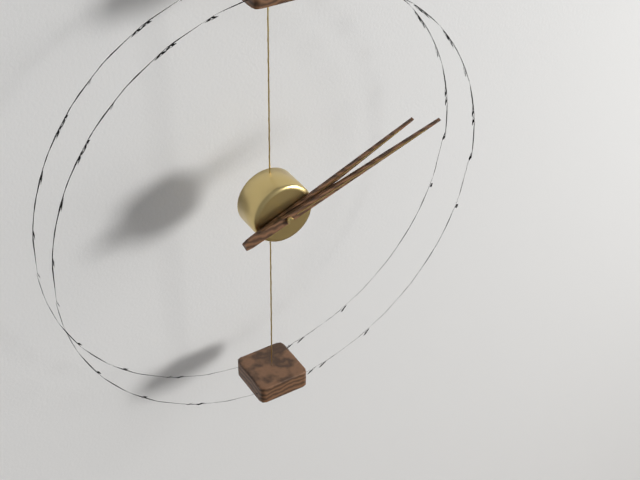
h=2 m=12
